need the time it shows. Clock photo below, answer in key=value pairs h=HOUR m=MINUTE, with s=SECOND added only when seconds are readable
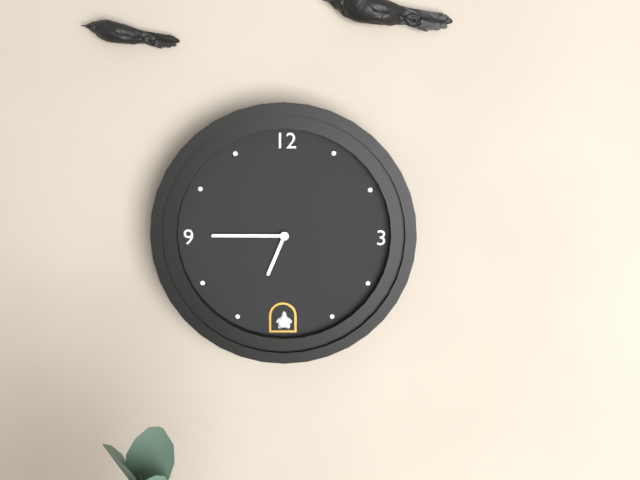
h=6 m=45
